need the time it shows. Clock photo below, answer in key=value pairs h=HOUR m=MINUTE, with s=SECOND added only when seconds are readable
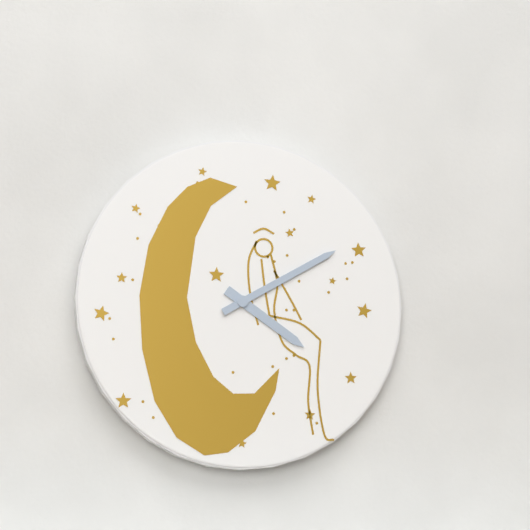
h=4 m=10
